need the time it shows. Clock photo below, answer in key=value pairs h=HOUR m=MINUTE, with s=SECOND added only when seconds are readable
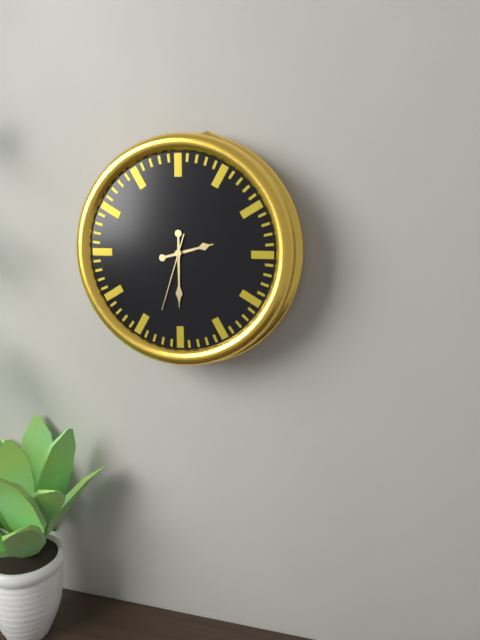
h=2 m=30 s=33
